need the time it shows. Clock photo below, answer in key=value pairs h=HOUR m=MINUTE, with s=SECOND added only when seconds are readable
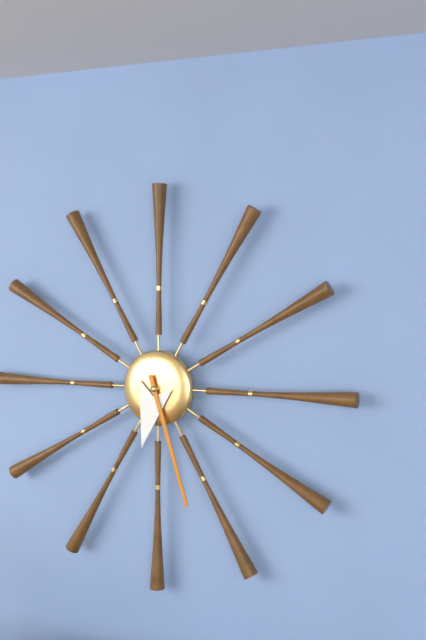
h=6 m=27
